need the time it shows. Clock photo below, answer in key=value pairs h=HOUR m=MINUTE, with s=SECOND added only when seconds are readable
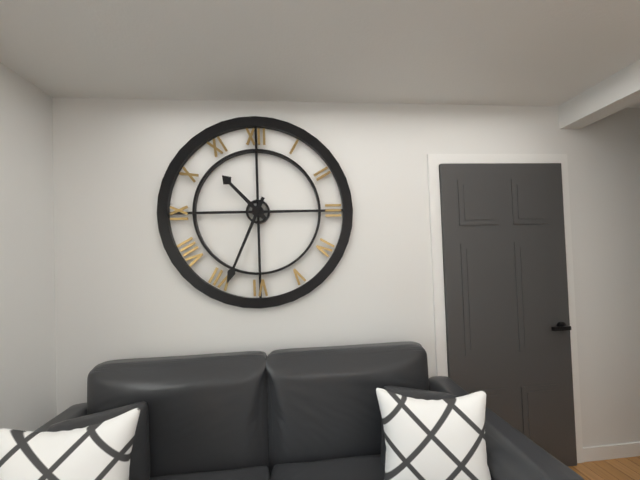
h=10 m=34
